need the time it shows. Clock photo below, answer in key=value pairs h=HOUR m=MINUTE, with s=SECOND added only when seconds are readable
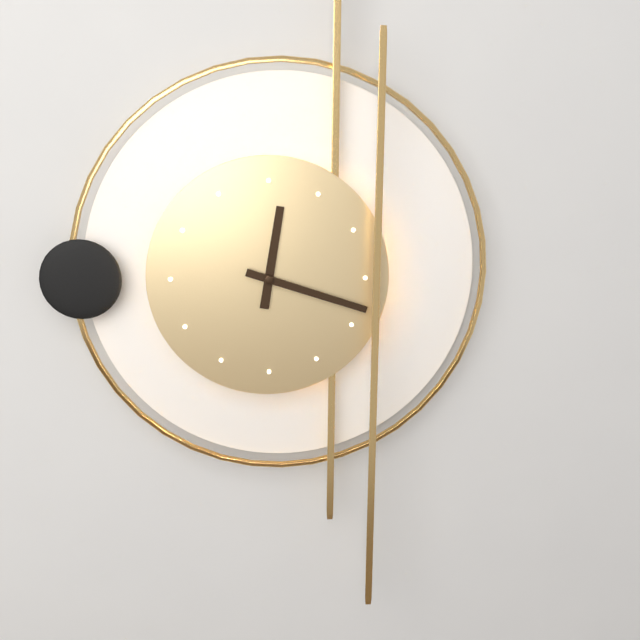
h=12 m=18
